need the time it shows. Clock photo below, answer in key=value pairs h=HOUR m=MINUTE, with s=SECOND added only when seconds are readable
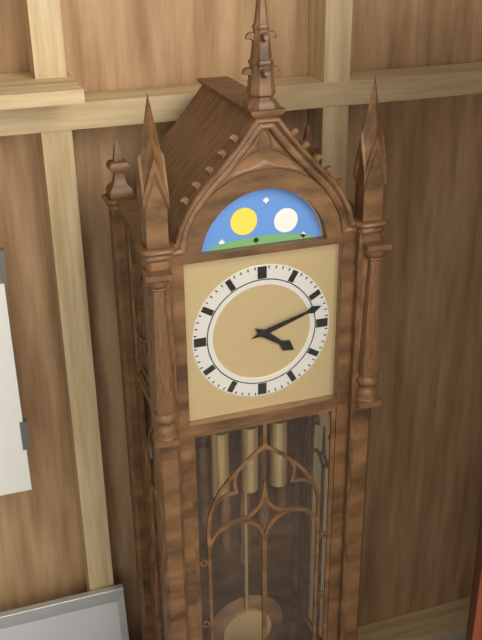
h=4 m=12
